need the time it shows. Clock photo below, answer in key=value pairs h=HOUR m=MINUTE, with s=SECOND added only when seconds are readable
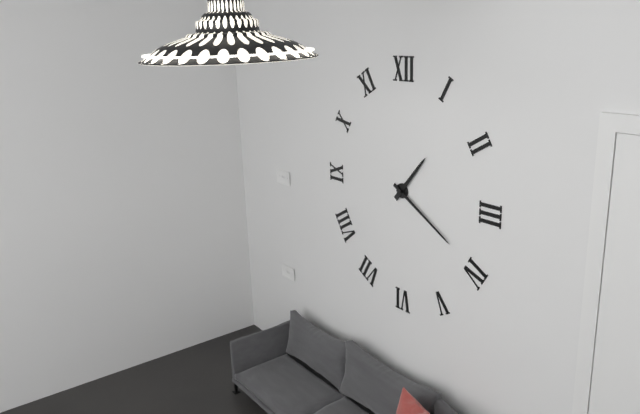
h=1 m=20
